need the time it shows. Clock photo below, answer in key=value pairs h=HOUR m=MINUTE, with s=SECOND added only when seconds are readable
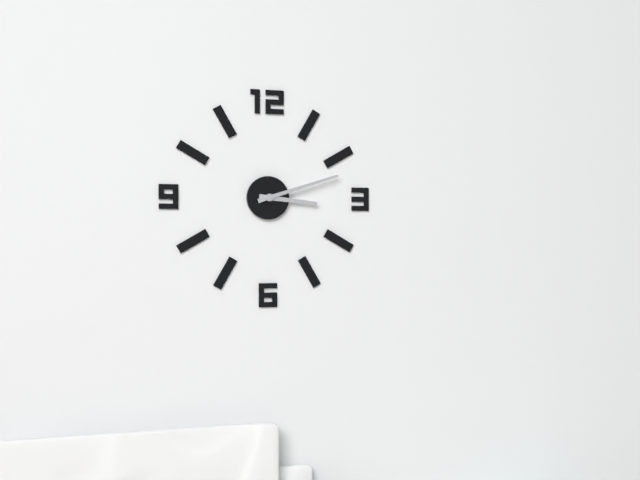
h=3 m=12
